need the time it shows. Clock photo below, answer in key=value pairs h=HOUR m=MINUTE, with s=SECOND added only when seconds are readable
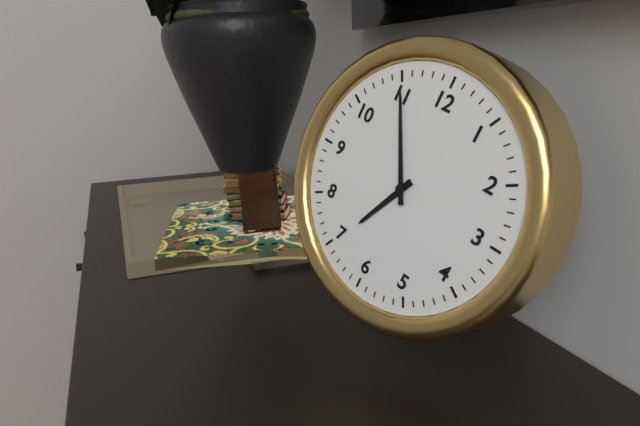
h=6 m=55
